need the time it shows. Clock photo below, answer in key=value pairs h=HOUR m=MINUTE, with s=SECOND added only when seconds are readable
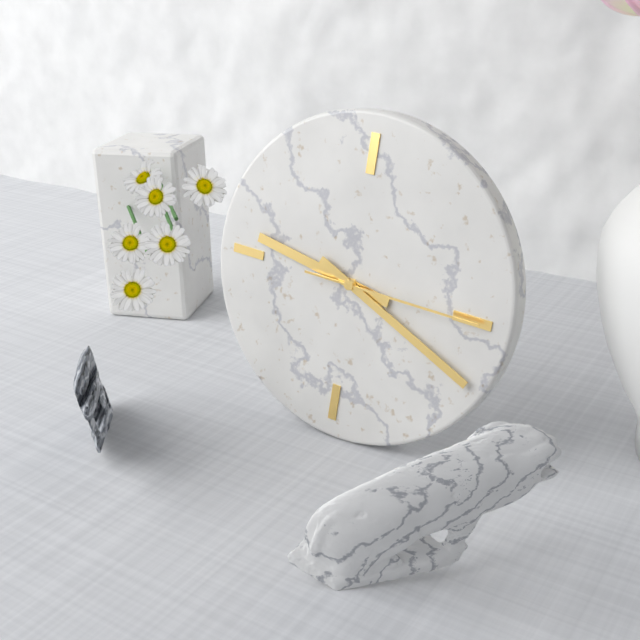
h=9 m=19 s=15
